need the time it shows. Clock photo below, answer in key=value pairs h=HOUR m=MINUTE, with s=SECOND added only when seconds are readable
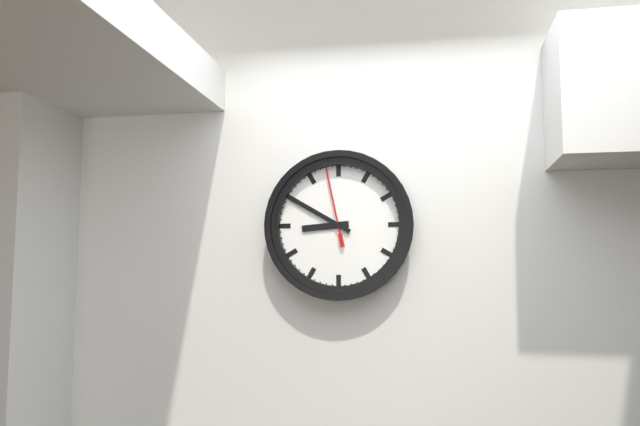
h=8 m=50 s=58
